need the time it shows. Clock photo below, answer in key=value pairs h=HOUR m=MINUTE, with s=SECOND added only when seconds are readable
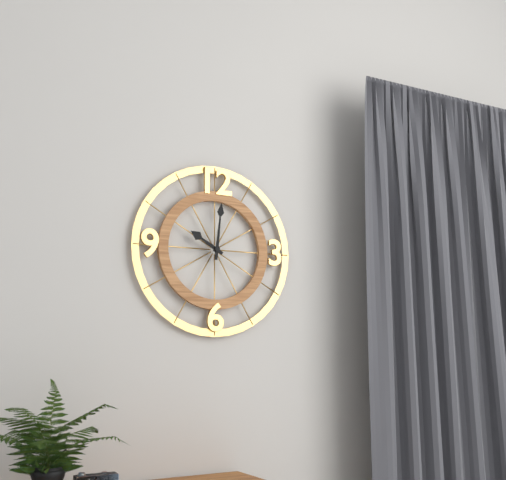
h=10 m=1
